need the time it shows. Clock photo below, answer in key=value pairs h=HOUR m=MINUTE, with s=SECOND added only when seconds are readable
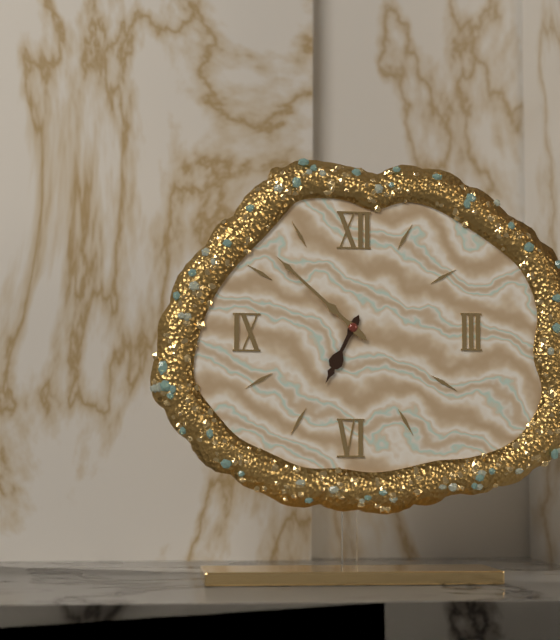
h=6 m=52
